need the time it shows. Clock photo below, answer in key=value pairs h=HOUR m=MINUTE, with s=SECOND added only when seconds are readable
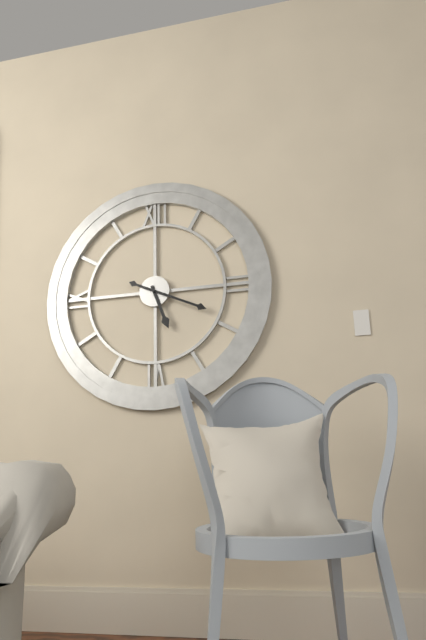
h=5 m=19
